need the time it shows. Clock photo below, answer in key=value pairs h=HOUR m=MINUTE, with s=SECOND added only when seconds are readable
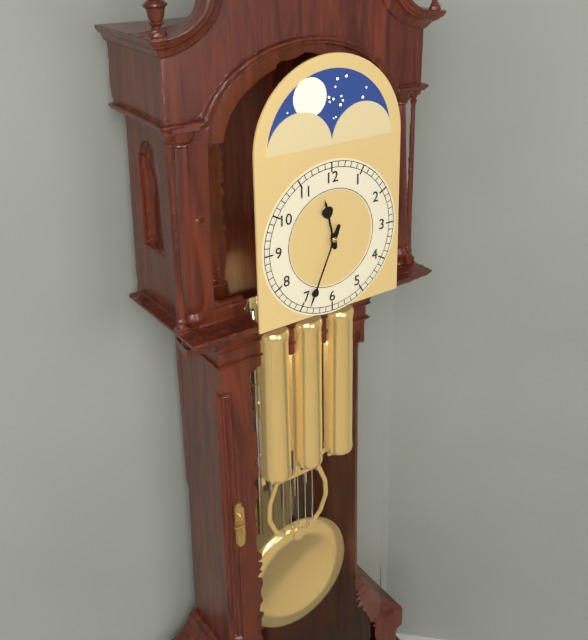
h=11 m=34
